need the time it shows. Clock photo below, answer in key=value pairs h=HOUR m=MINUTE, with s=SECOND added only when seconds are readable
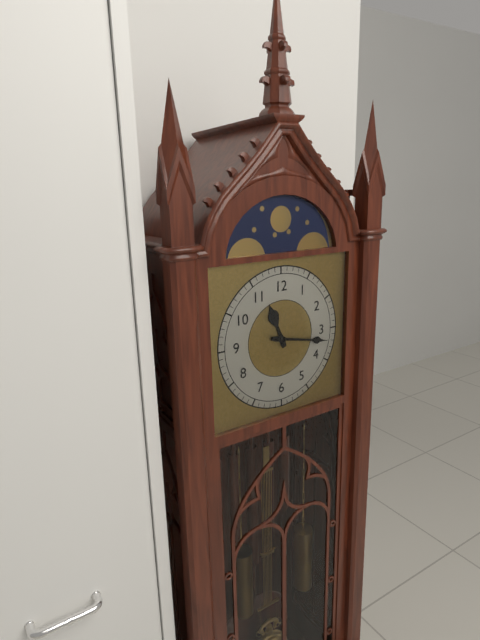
h=11 m=17
